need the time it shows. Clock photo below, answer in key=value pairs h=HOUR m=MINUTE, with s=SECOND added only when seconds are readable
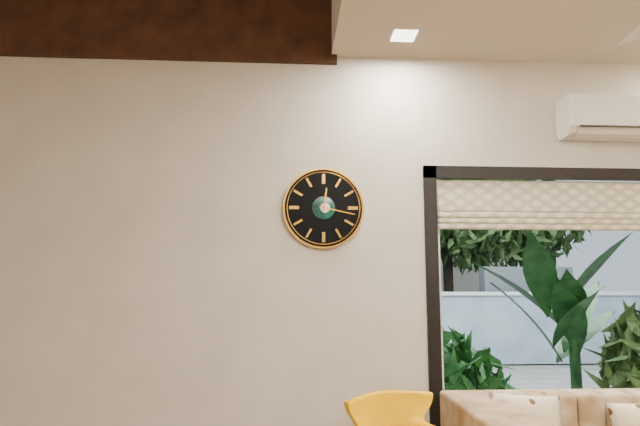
h=12 m=17
